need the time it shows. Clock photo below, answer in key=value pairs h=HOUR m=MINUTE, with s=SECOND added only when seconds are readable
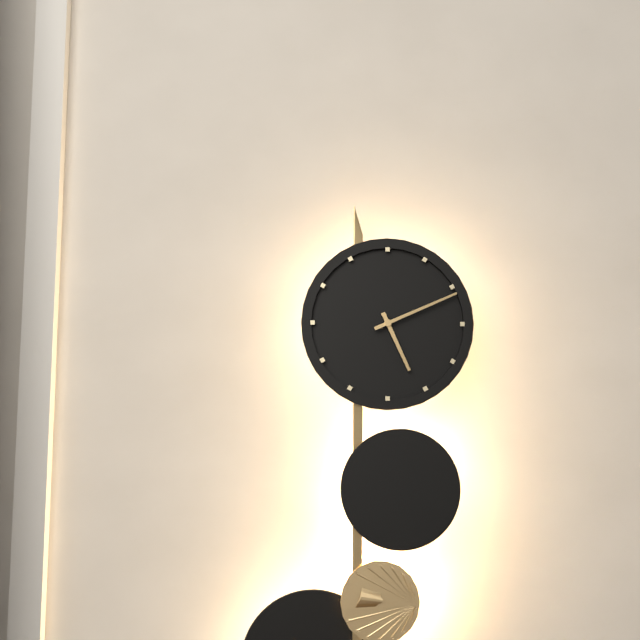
h=5 m=11
